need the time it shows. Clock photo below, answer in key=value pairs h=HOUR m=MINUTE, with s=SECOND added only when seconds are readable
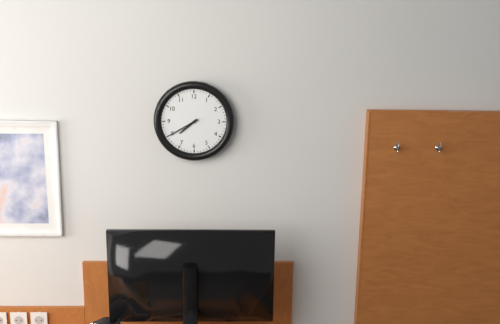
h=7 m=40
